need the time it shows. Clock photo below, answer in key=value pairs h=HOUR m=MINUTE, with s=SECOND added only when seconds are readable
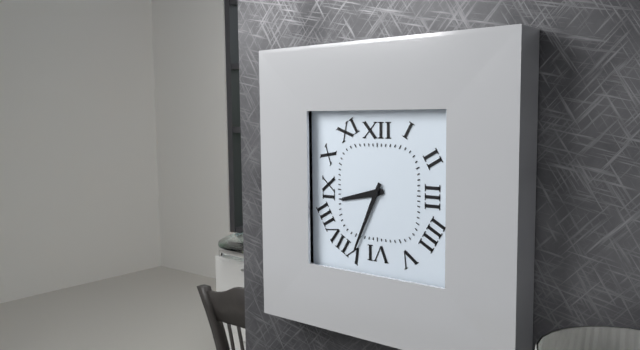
h=8 m=34
